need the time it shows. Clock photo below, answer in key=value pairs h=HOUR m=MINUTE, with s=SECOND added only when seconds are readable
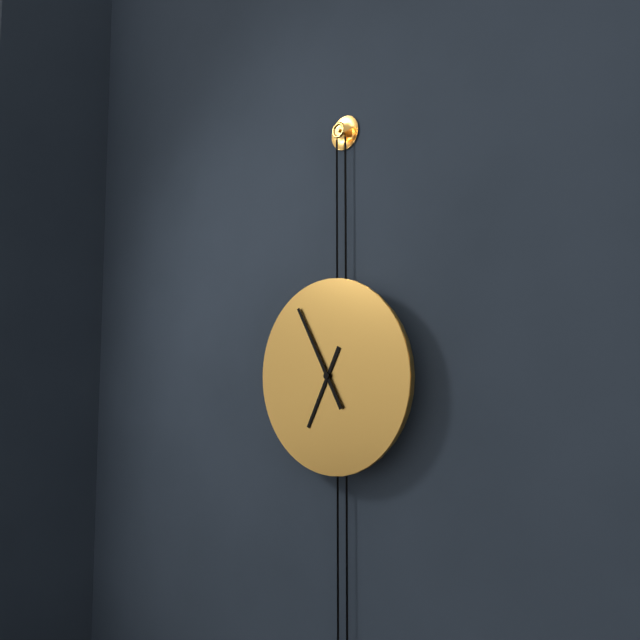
h=6 m=55
